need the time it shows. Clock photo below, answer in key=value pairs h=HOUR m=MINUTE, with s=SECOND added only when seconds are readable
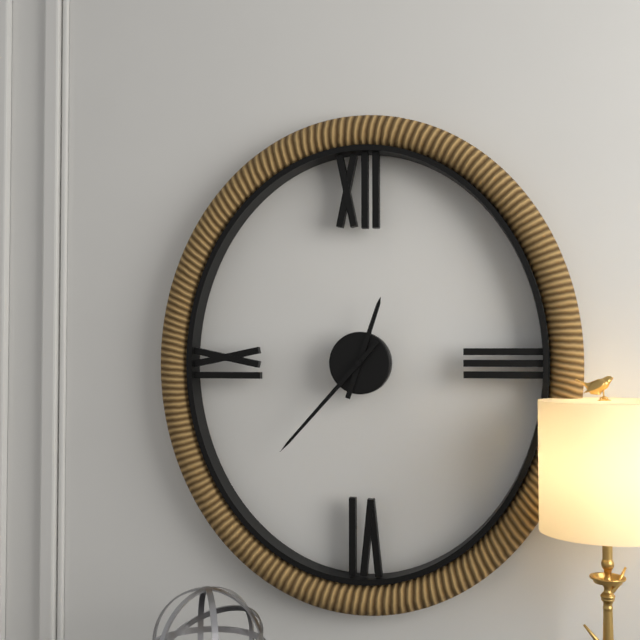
h=12 m=37
